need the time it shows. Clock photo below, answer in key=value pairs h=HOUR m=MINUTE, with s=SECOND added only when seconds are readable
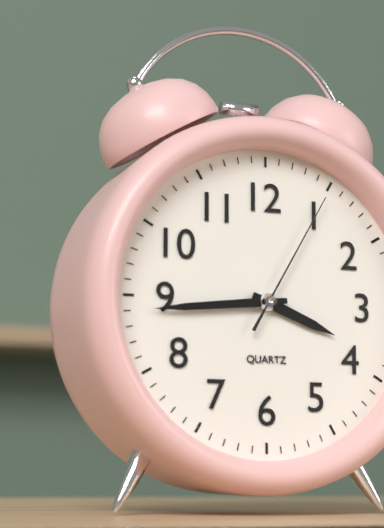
h=3 m=44 s=5
